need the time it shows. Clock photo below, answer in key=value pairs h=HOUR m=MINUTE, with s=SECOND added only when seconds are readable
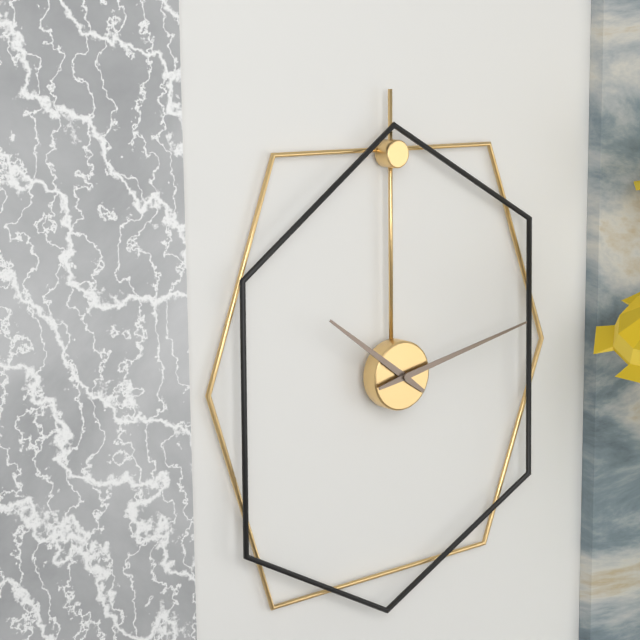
h=10 m=13
